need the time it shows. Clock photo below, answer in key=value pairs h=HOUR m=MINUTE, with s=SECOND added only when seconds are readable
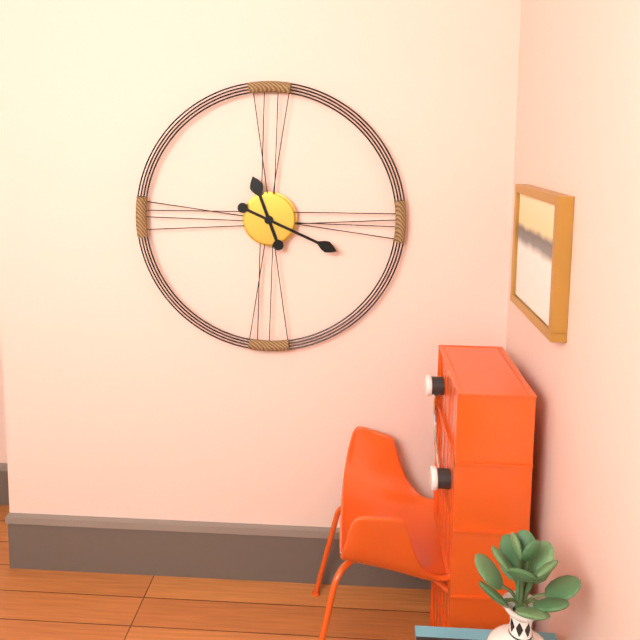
h=11 m=19
